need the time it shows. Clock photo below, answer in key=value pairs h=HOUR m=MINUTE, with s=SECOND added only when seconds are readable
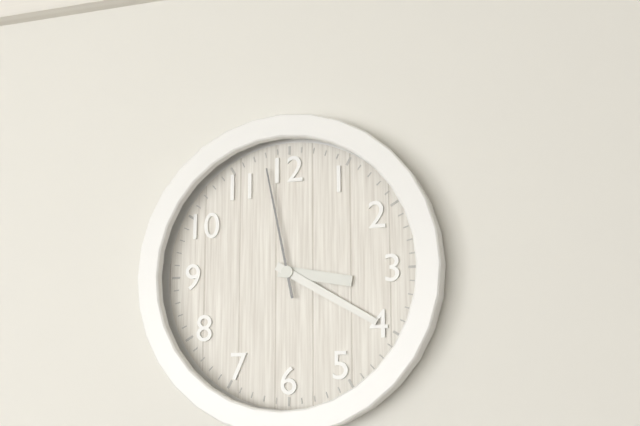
h=3 m=20 s=58
